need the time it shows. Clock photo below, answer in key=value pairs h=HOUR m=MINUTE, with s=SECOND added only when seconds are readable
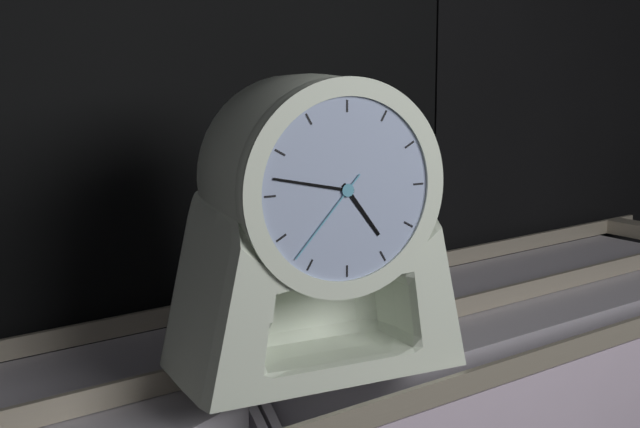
h=4 m=47 s=37
